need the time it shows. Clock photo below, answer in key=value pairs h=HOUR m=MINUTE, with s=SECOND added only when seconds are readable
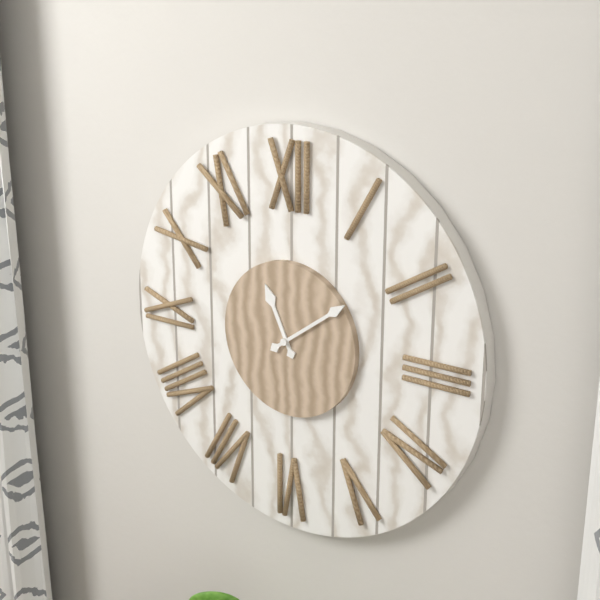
h=11 m=9
